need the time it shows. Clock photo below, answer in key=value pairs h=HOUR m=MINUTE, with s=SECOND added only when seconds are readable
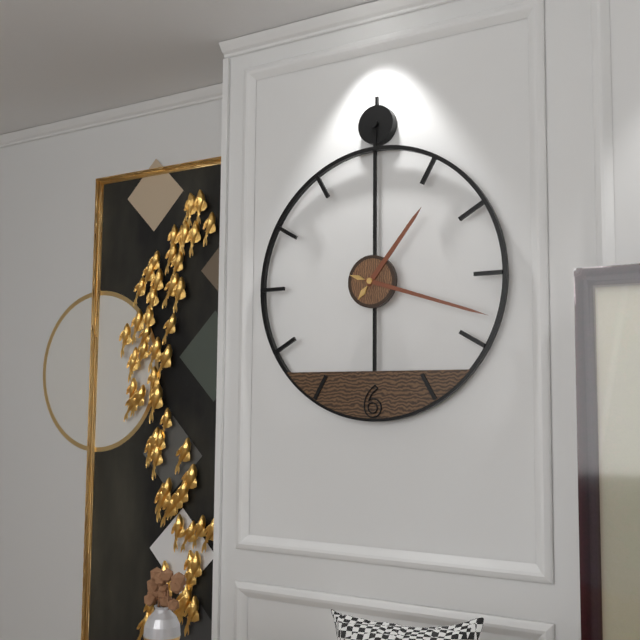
h=1 m=18
